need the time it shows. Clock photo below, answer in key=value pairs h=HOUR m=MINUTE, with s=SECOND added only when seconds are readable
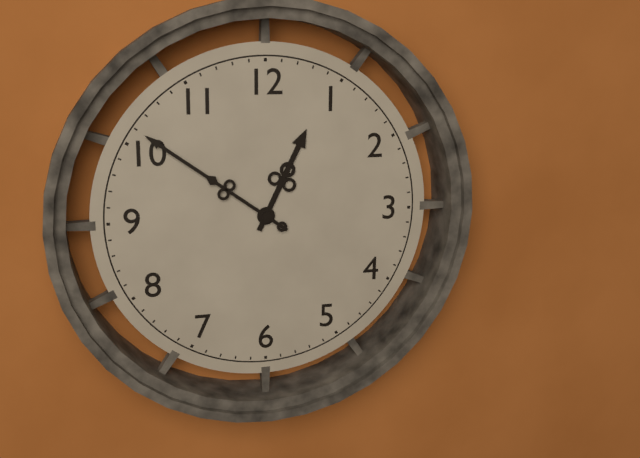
h=12 m=51
